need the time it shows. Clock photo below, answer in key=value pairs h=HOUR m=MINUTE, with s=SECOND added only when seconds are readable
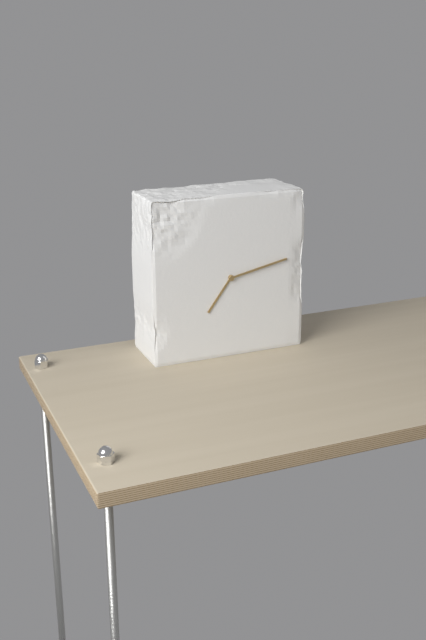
h=7 m=13
